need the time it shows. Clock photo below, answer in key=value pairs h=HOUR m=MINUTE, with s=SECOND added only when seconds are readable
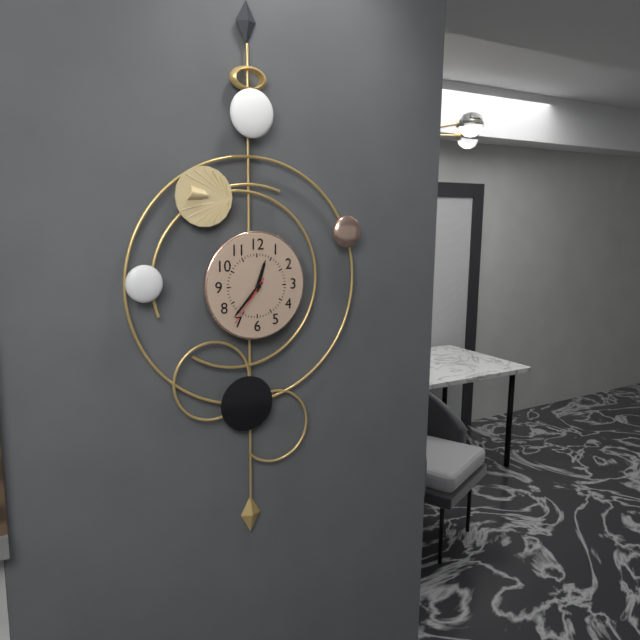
h=12 m=37 s=36
